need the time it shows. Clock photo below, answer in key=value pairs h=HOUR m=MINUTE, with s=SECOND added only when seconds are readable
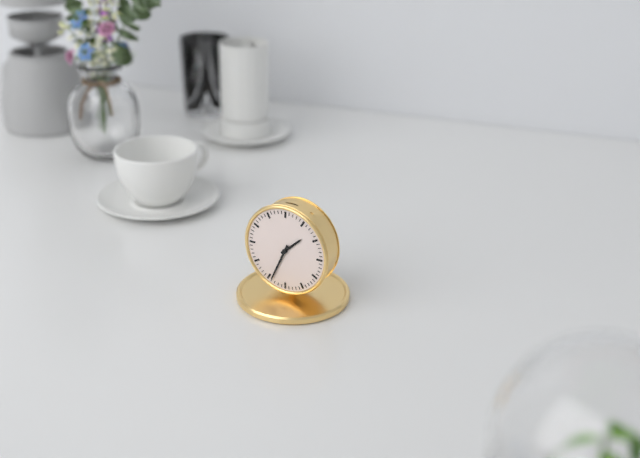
h=1 m=34
